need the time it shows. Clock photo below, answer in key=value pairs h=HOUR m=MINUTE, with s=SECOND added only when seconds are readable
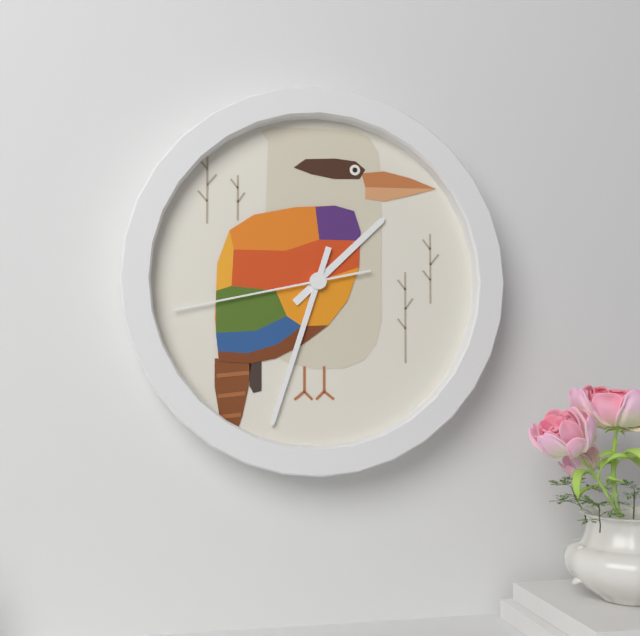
h=1 m=33 s=43
